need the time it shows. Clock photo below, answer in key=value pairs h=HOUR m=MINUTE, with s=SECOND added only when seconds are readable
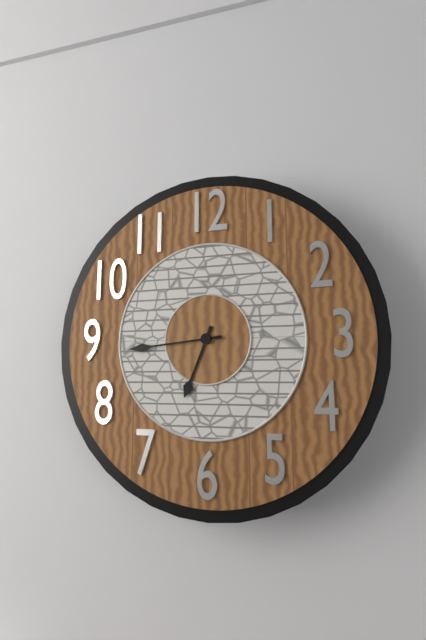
h=6 m=44
